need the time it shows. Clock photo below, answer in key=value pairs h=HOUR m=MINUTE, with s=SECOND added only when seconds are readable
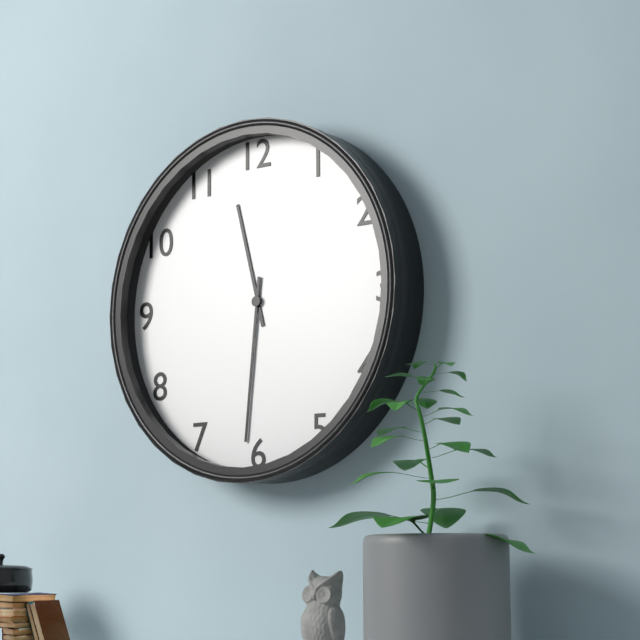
h=11 m=31
